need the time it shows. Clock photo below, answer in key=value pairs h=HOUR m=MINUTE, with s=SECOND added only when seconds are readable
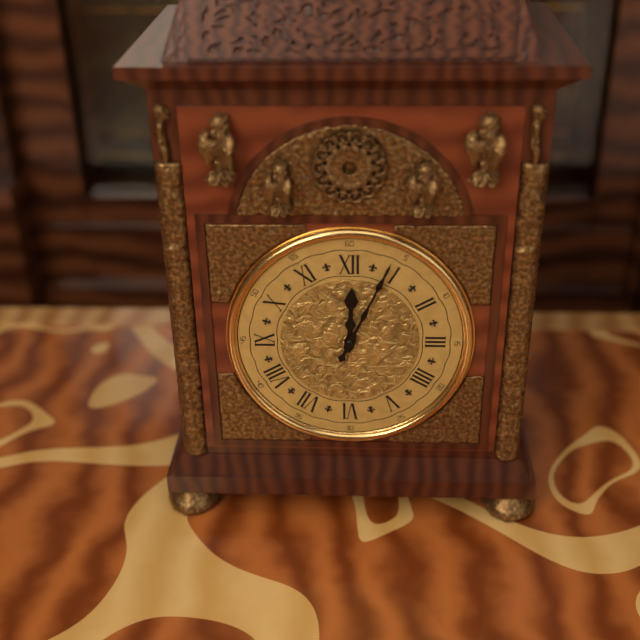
h=12 m=4
